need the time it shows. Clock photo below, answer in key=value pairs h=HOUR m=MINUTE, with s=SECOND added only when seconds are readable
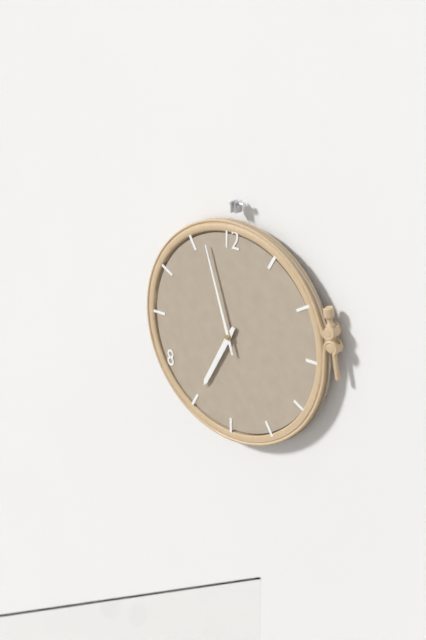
h=6 m=57
